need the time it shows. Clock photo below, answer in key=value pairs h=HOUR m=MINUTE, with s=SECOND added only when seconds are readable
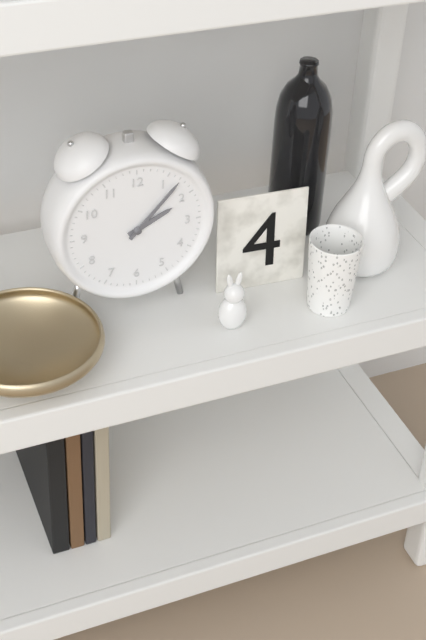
h=2 m=7
